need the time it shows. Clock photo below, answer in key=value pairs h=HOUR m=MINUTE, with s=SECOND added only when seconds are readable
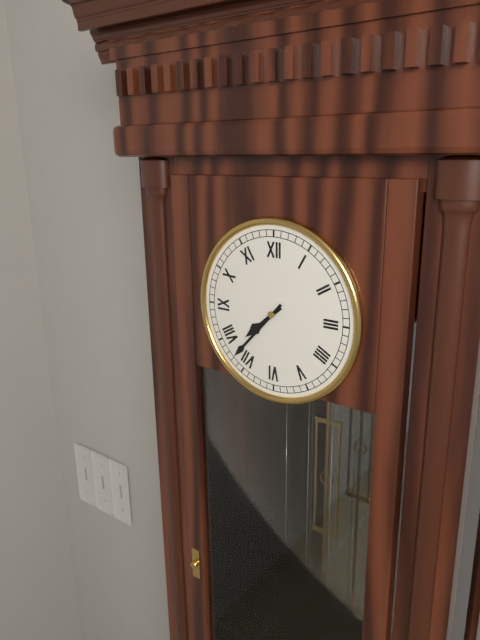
h=7 m=37
